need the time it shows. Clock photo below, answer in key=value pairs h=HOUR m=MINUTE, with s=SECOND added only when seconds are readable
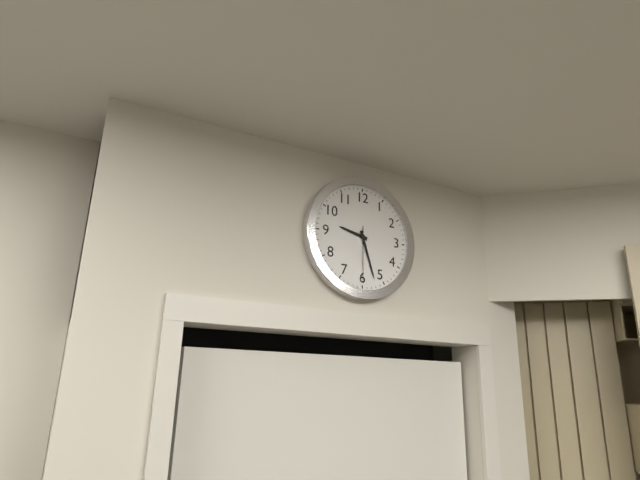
h=9 m=27 s=30
